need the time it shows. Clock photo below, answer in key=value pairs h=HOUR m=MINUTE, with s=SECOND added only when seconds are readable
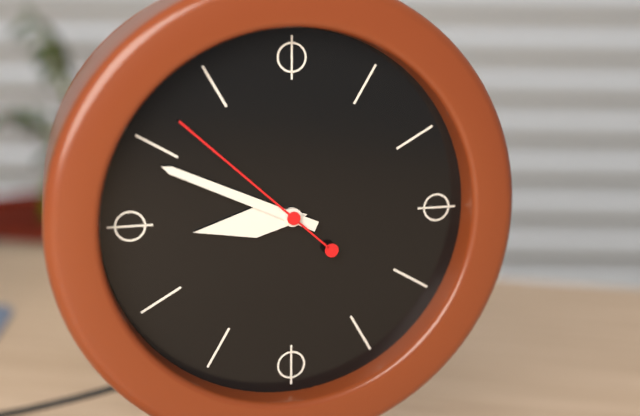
h=8 m=49 s=52
